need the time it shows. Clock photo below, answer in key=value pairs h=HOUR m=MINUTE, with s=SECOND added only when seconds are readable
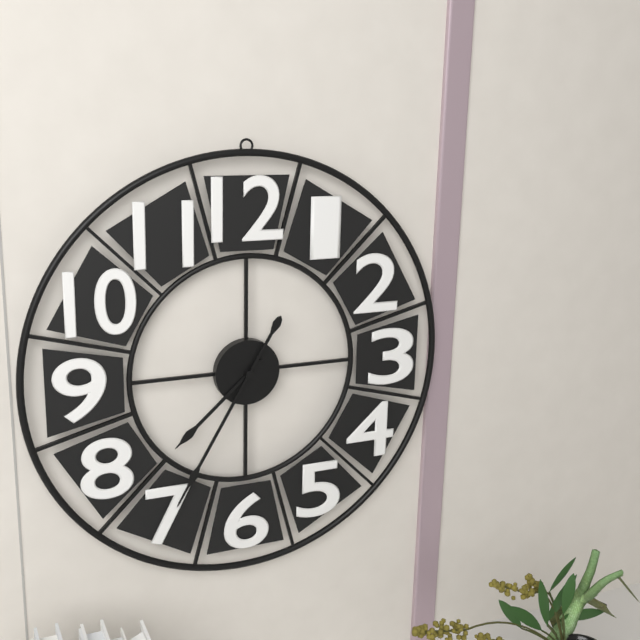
h=7 m=35
